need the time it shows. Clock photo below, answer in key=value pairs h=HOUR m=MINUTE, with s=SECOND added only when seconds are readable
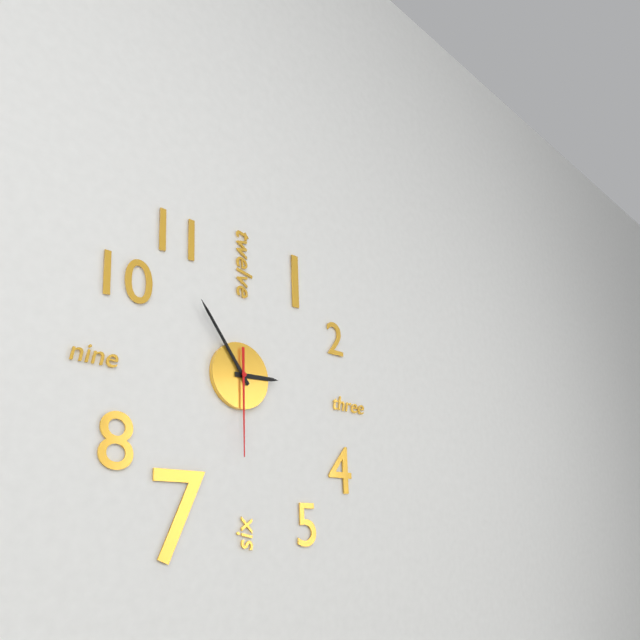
h=2 m=54 s=30
